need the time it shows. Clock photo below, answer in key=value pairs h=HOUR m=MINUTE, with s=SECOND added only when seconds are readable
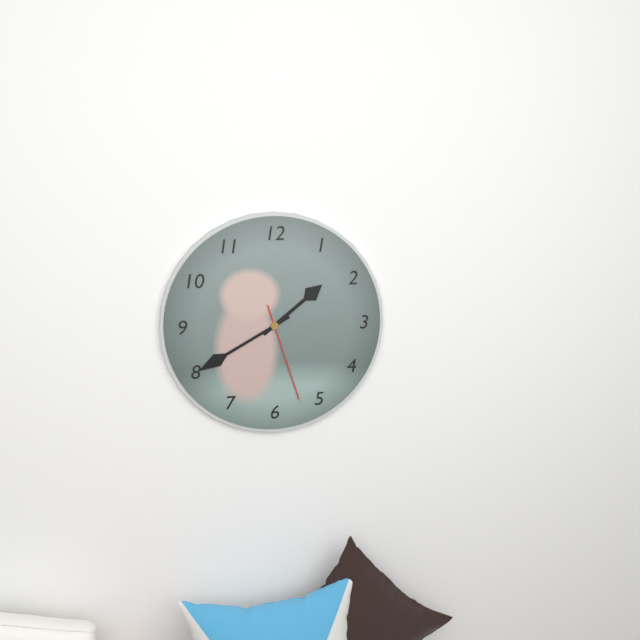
h=1 m=40 s=27
